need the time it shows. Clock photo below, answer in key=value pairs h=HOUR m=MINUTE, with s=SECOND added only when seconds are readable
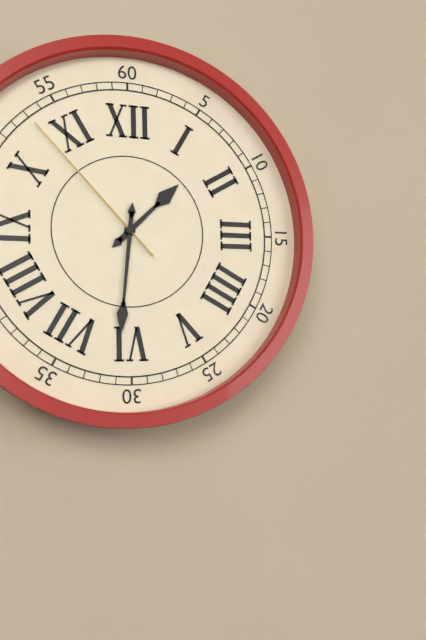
h=1 m=31 s=53
